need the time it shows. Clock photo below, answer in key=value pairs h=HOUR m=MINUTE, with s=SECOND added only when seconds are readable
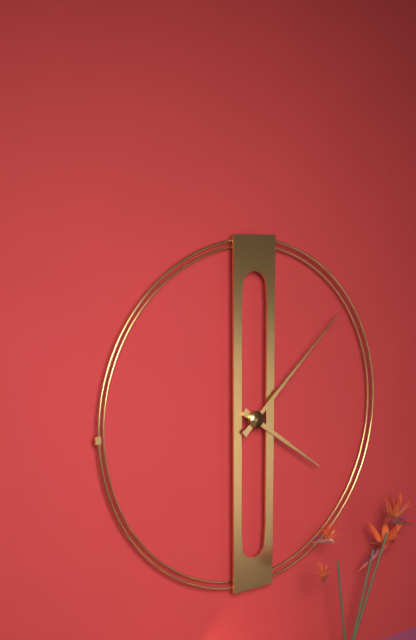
h=4 m=8
